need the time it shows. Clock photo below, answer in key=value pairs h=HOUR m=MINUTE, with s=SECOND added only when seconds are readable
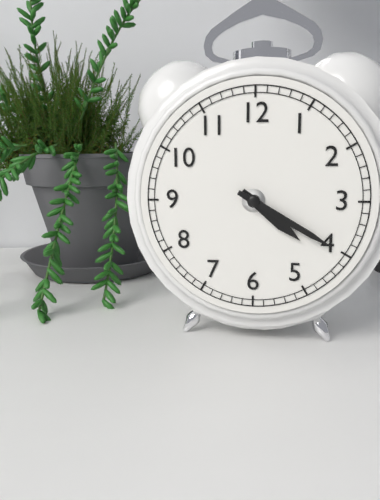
h=4 m=20
